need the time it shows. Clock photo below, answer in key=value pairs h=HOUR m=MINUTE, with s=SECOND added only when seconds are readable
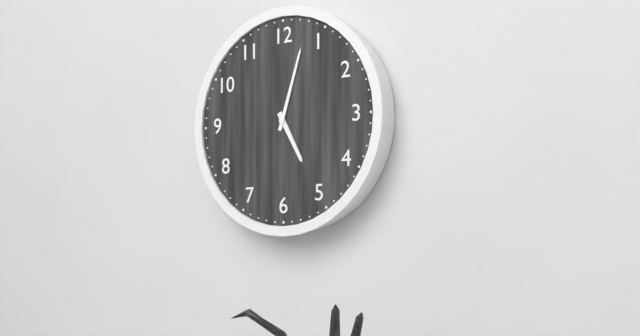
h=5 m=3
